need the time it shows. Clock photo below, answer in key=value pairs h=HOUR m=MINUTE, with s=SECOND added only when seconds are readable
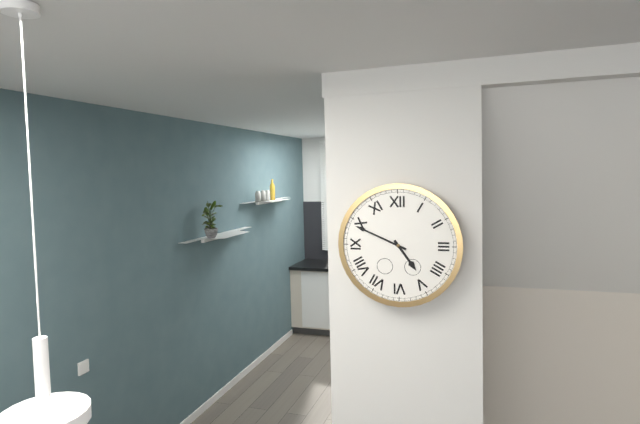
h=4 m=49
